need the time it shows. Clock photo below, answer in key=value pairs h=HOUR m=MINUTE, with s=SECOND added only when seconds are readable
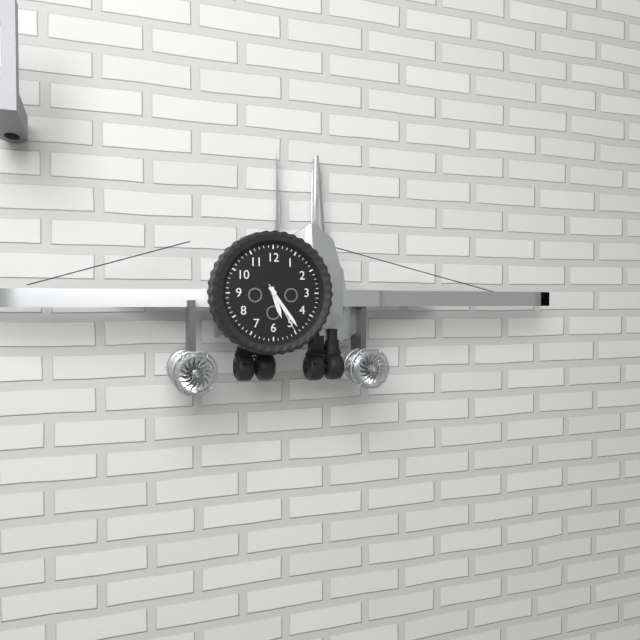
h=5 m=24 s=25
